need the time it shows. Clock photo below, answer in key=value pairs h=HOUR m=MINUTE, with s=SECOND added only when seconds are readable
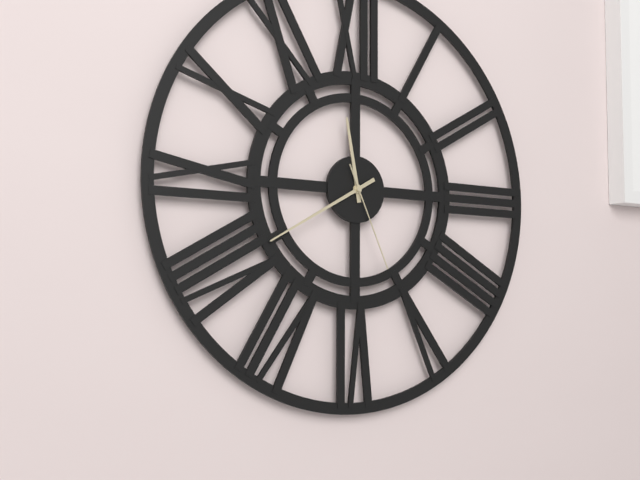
h=11 m=40 s=26
